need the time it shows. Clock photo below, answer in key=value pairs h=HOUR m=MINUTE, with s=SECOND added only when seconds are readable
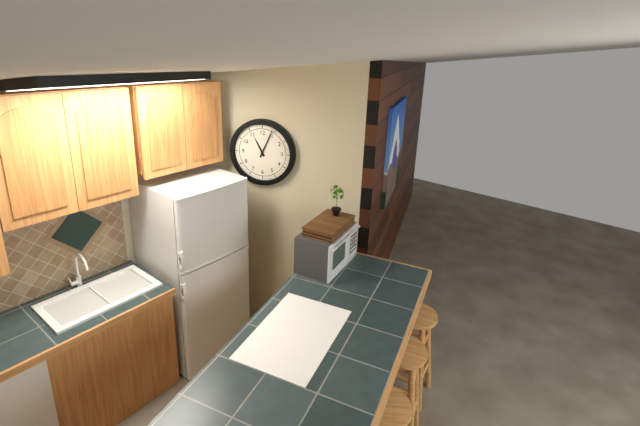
h=11 m=4
